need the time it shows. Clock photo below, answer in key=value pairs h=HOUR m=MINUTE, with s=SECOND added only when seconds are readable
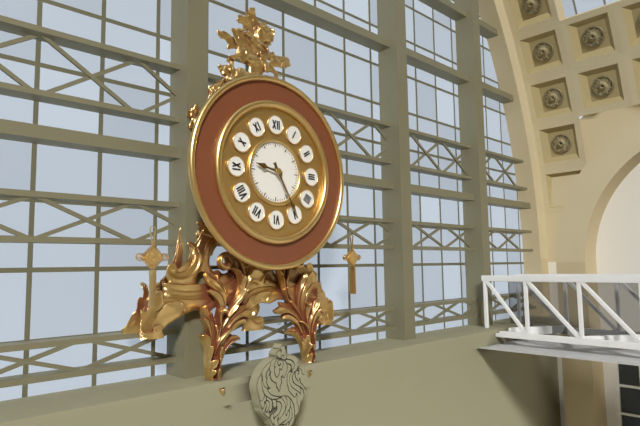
h=9 m=25
